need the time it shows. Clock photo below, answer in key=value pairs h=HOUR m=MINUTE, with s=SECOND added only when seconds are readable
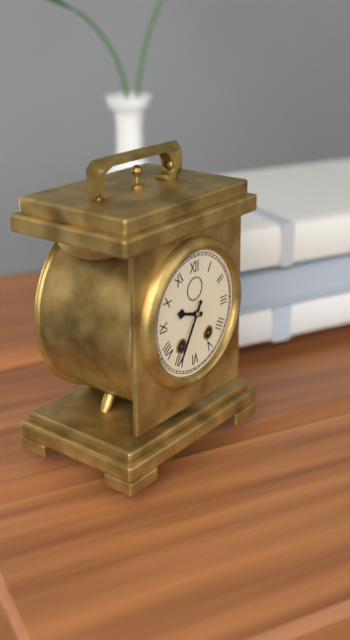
h=9 m=35
